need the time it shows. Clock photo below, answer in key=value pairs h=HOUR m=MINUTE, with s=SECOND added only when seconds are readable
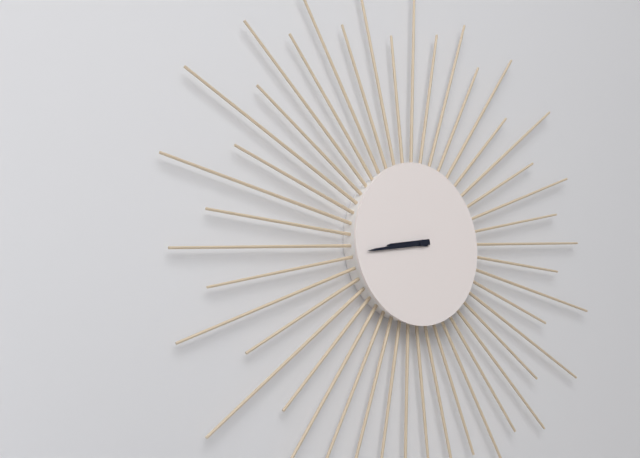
h=8 m=43
